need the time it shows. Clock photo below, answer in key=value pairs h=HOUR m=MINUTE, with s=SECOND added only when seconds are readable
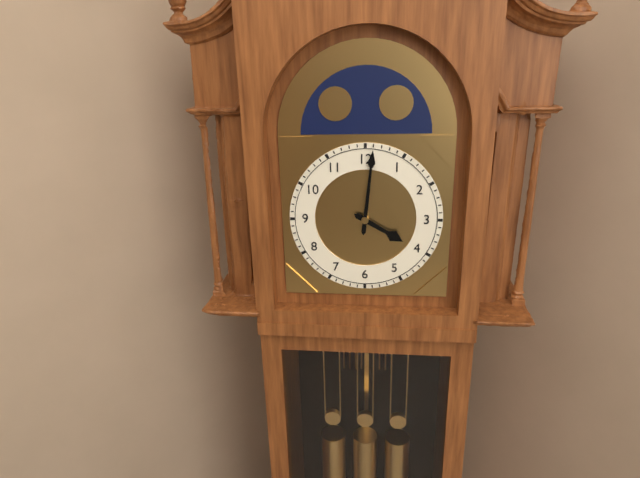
h=4 m=1
